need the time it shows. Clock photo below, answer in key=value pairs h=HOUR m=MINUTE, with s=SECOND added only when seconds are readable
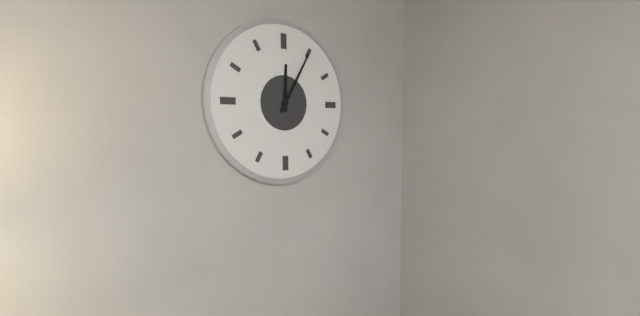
h=12 m=5
